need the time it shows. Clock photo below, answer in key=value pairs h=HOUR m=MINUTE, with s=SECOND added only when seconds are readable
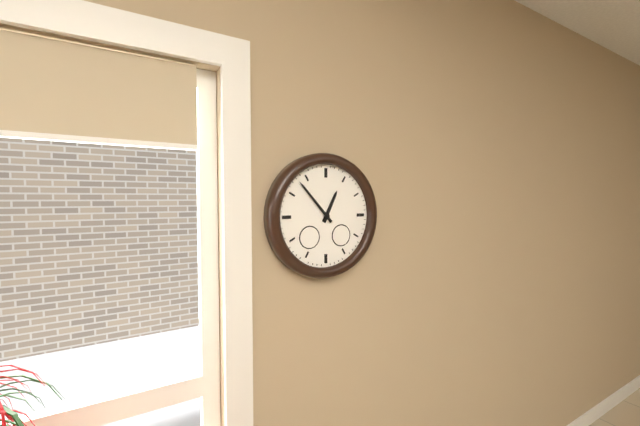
h=12 m=53
